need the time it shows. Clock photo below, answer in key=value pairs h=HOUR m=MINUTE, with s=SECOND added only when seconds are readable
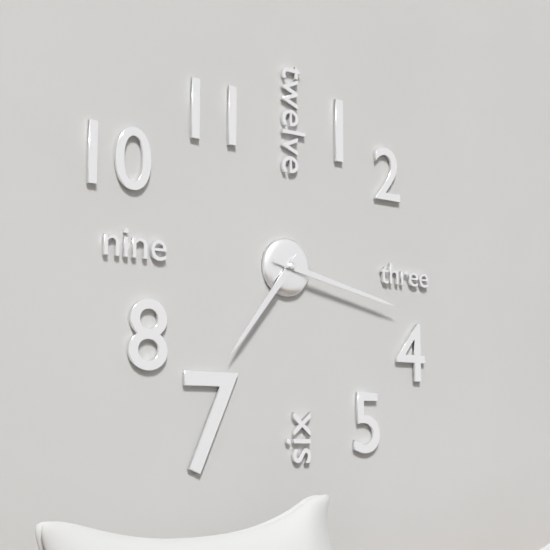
h=7 m=17
